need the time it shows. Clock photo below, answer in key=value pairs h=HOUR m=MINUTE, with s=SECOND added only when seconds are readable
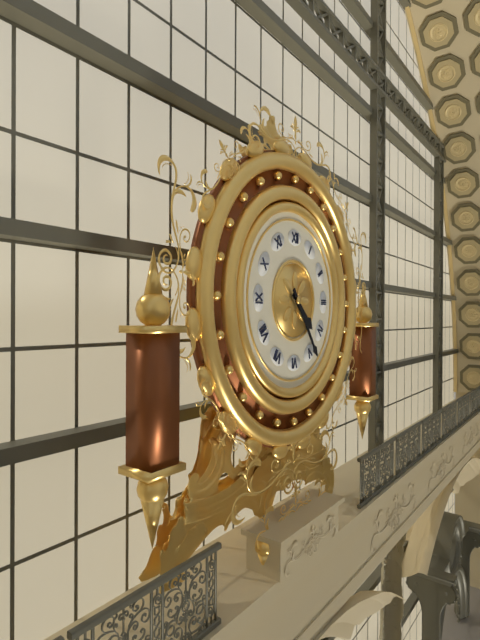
h=4 m=24
